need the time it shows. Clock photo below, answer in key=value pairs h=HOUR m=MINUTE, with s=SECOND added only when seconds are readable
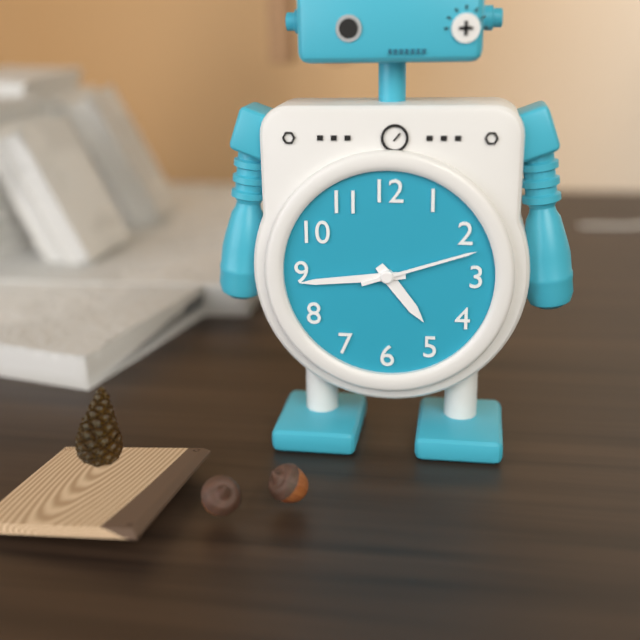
h=4 m=44 s=12
